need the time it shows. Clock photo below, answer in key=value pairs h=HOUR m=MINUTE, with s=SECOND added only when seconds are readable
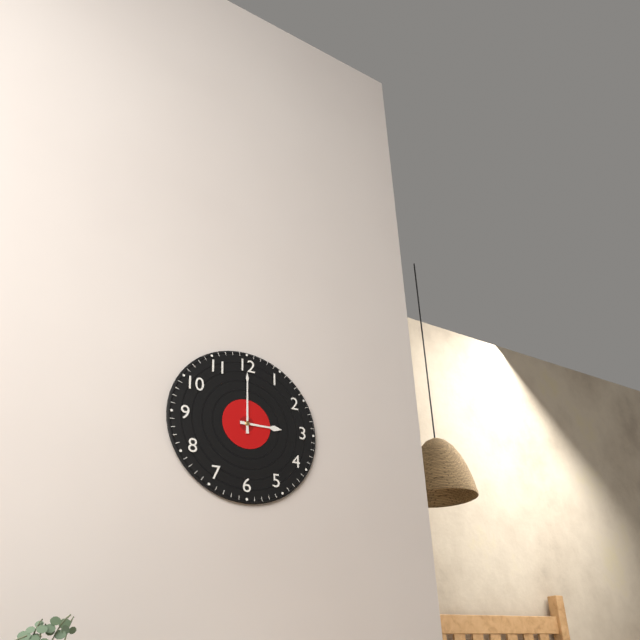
h=3 m=0
